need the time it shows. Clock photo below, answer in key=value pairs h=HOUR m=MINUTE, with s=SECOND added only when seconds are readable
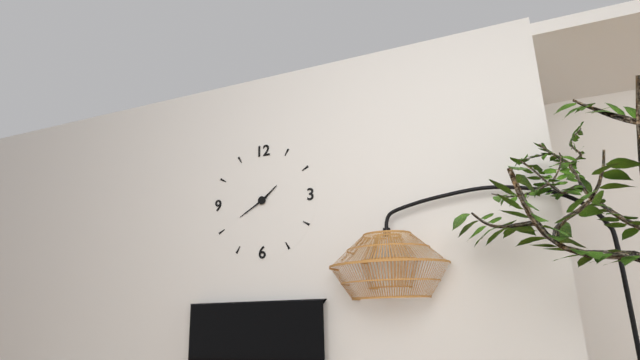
h=1 m=40
